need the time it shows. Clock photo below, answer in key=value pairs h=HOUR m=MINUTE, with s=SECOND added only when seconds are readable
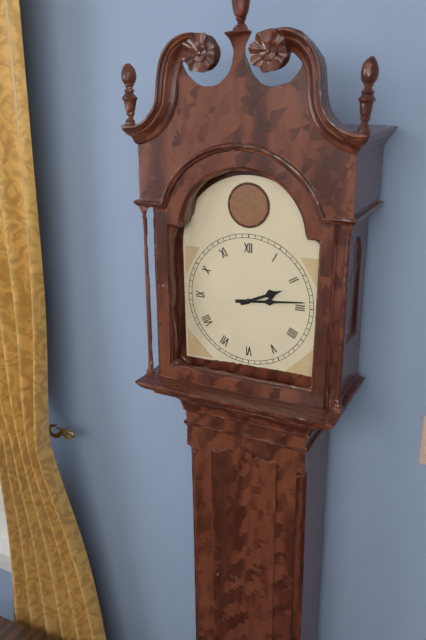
h=2 m=14
